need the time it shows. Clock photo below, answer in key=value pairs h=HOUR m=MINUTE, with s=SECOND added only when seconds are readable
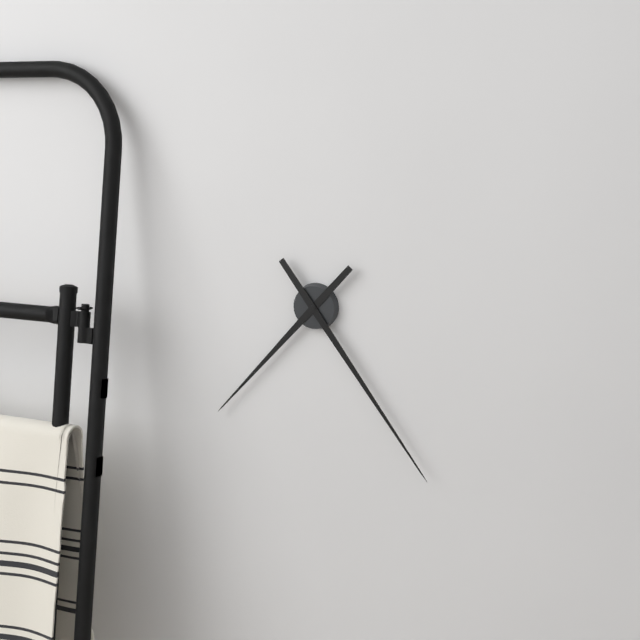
h=7 m=24
